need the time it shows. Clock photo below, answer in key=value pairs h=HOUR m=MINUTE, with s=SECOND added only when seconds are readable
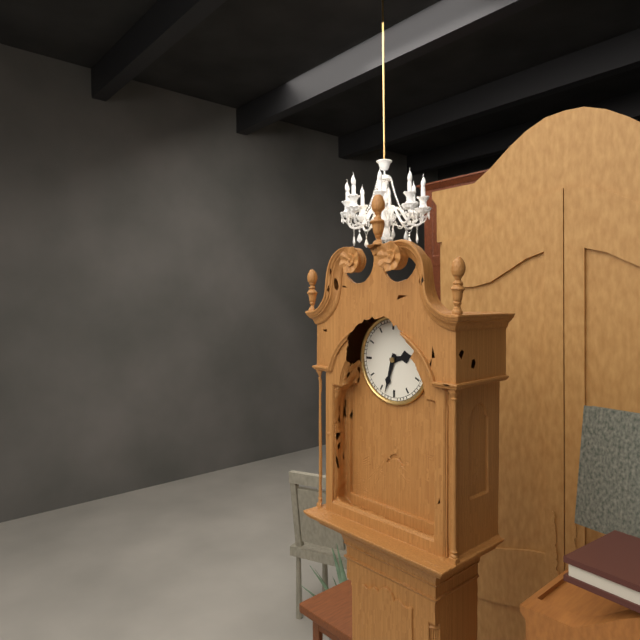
h=2 m=33
